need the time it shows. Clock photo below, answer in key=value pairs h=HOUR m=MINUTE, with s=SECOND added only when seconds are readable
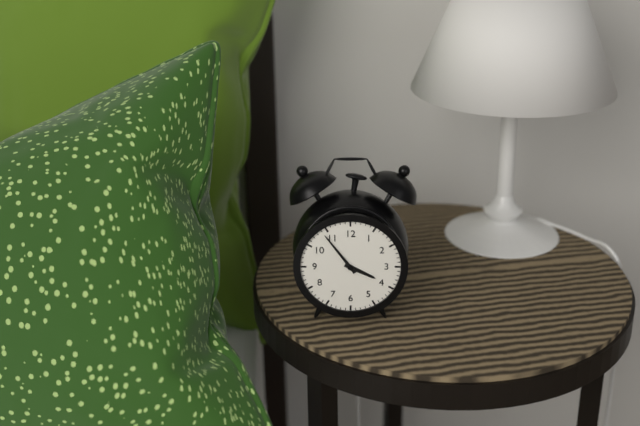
h=3 m=54
